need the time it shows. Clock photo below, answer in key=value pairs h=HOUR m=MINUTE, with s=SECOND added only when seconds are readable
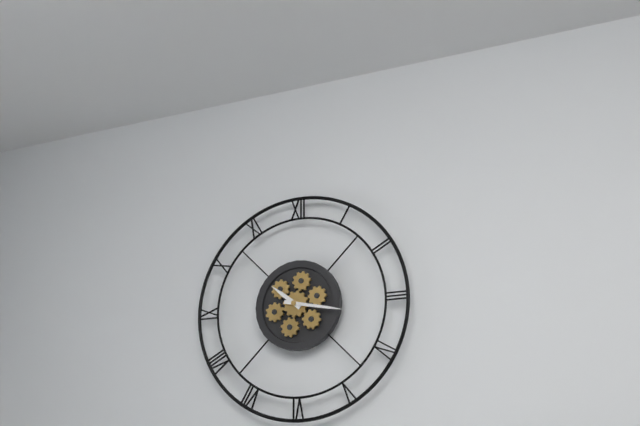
h=10 m=17
